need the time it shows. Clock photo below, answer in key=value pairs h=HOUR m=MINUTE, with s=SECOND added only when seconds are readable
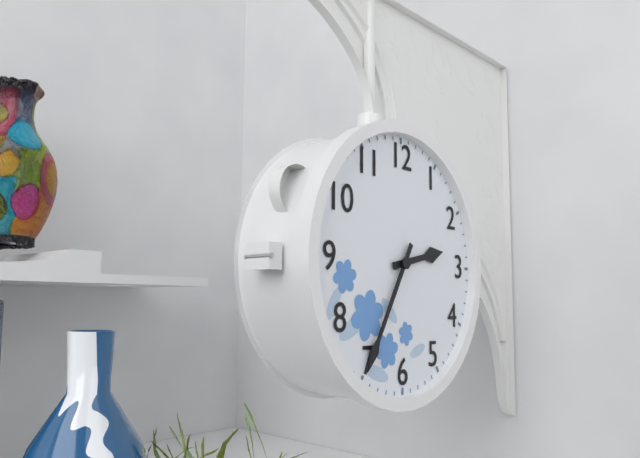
h=2 m=35
